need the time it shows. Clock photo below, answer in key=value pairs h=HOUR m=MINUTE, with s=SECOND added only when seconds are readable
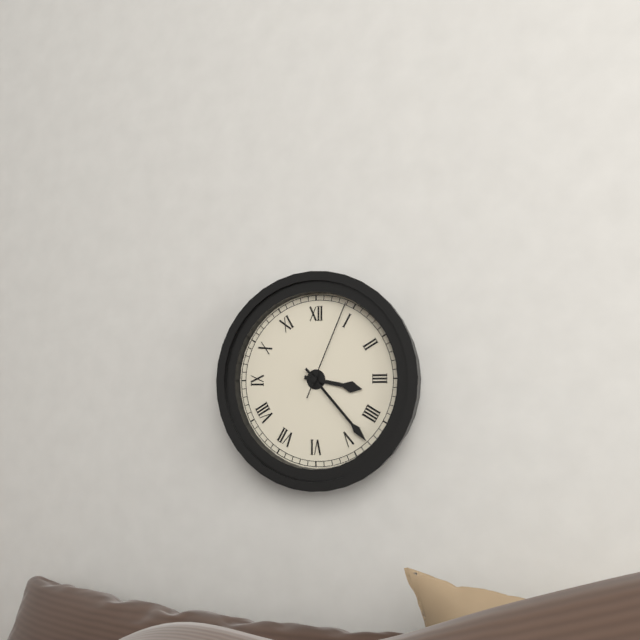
h=3 m=23 s=4
